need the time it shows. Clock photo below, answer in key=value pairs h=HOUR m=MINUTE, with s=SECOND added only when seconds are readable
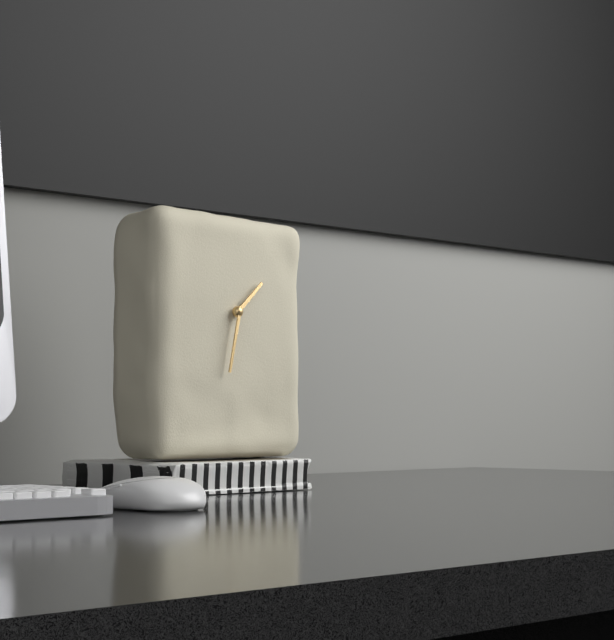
h=1 m=32
